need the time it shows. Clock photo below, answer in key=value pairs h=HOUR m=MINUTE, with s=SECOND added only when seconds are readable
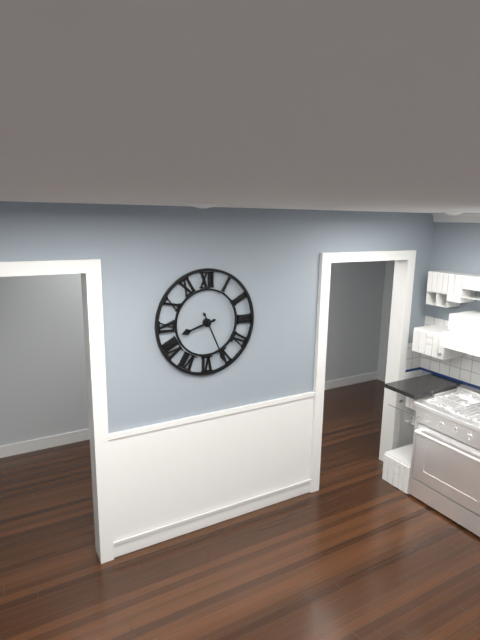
h=8 m=26
